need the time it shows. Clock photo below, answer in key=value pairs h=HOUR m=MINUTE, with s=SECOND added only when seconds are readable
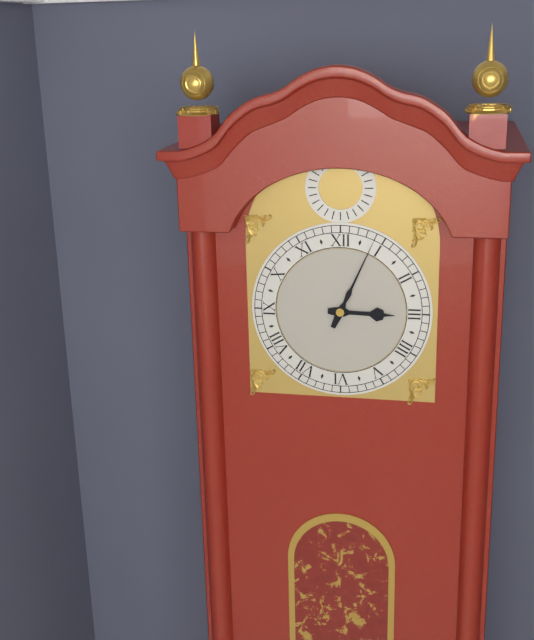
h=3 m=4
